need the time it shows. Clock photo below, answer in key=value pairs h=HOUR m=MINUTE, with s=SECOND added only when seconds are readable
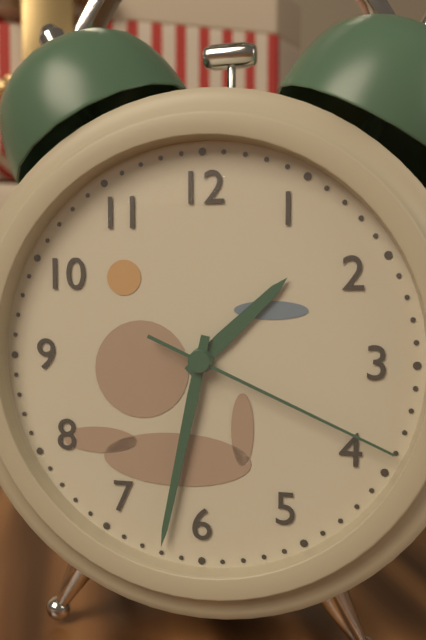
h=1 m=32 s=19
